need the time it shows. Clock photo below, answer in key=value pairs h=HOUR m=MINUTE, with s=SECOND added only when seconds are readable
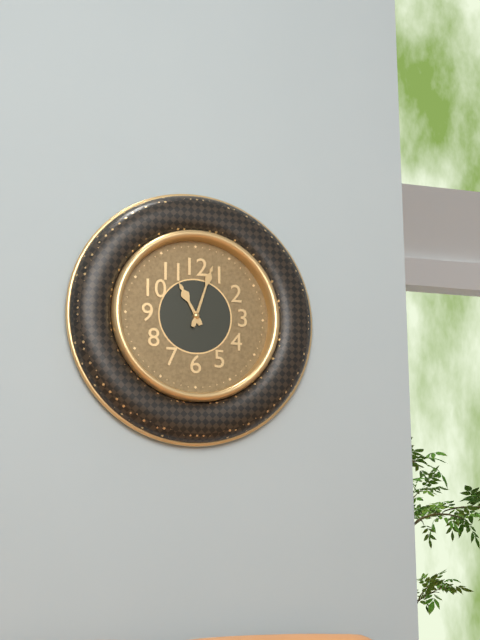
h=11 m=3
